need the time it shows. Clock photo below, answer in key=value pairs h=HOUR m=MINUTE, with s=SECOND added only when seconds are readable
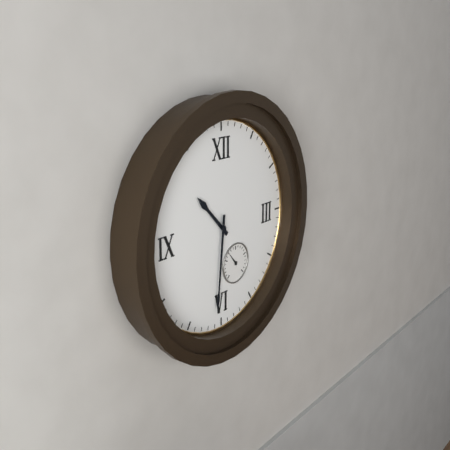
h=10 m=31
